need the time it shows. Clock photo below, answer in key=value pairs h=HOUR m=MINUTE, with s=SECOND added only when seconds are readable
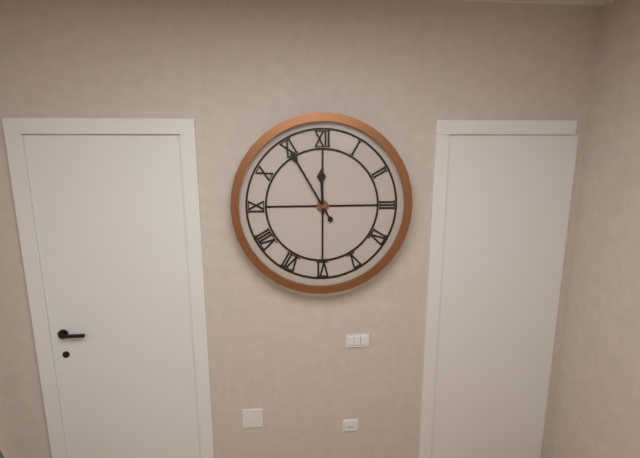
h=11 m=55
